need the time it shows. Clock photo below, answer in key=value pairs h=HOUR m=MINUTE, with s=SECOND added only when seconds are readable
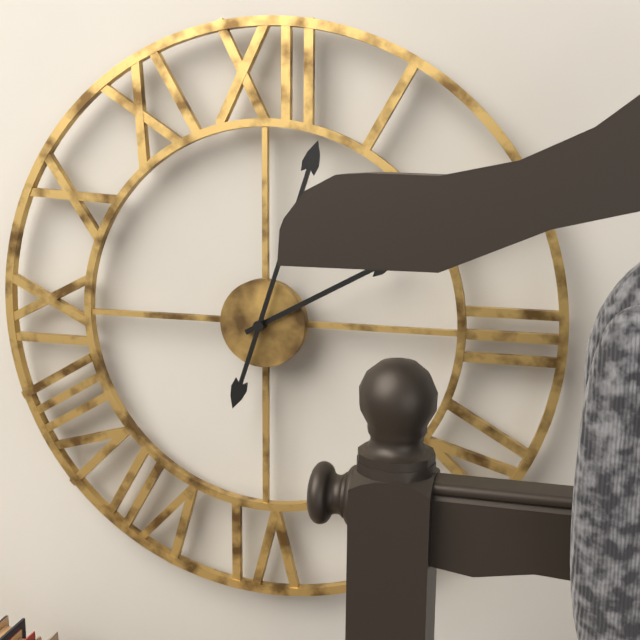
h=2 m=3
